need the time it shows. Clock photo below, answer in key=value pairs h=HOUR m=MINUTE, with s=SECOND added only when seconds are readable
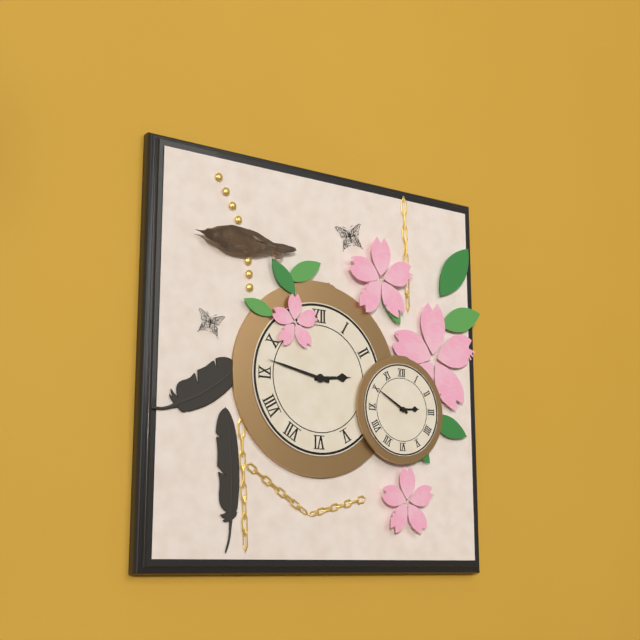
h=2 m=47
